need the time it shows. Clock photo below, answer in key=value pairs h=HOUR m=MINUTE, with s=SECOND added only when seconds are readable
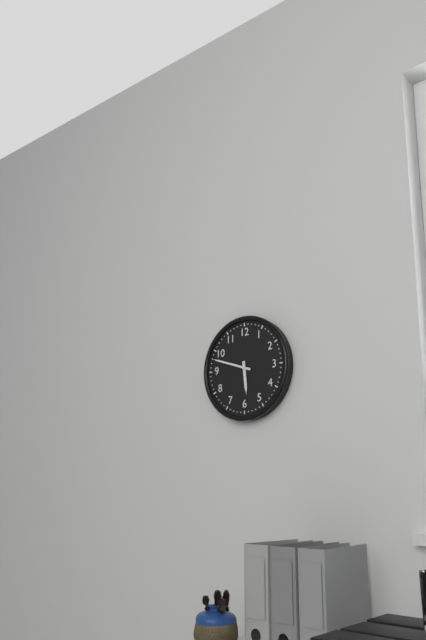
h=5 m=48
